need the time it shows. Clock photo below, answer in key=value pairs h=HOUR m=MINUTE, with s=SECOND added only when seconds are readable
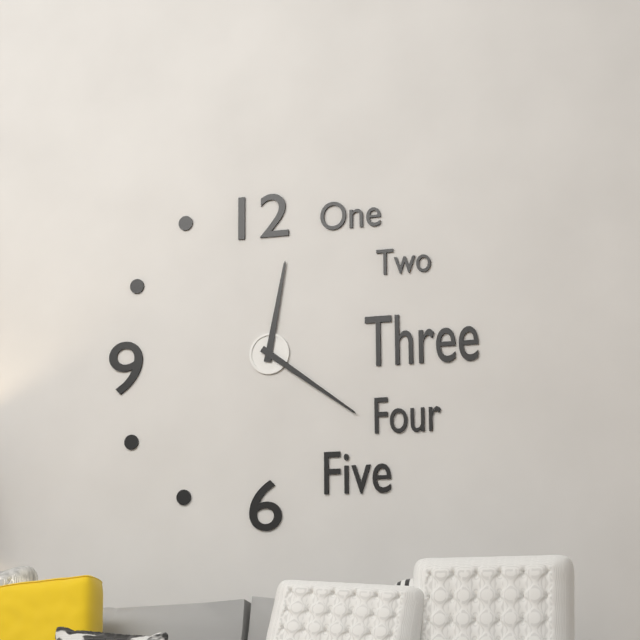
h=12 m=21
